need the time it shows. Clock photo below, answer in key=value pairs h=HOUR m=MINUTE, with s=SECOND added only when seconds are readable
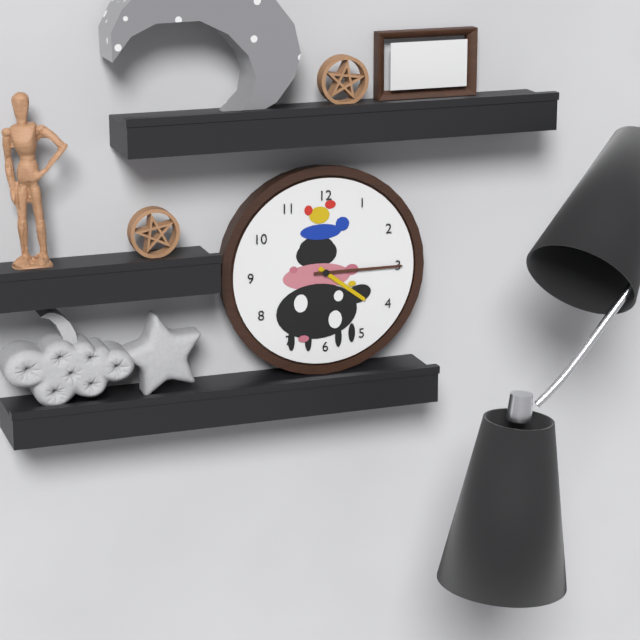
h=4 m=15
